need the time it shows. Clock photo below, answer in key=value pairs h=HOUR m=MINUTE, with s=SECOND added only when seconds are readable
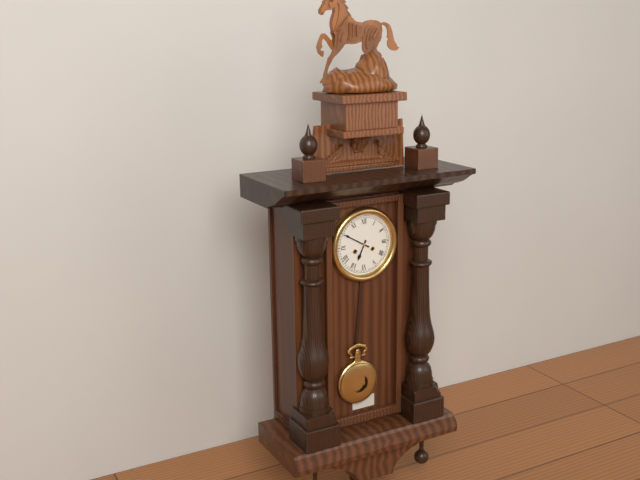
h=6 m=50
